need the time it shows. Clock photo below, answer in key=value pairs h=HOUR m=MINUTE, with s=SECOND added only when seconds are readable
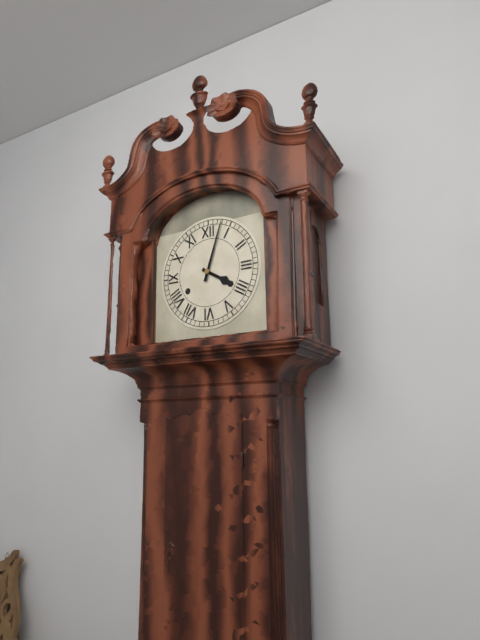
h=4 m=3
